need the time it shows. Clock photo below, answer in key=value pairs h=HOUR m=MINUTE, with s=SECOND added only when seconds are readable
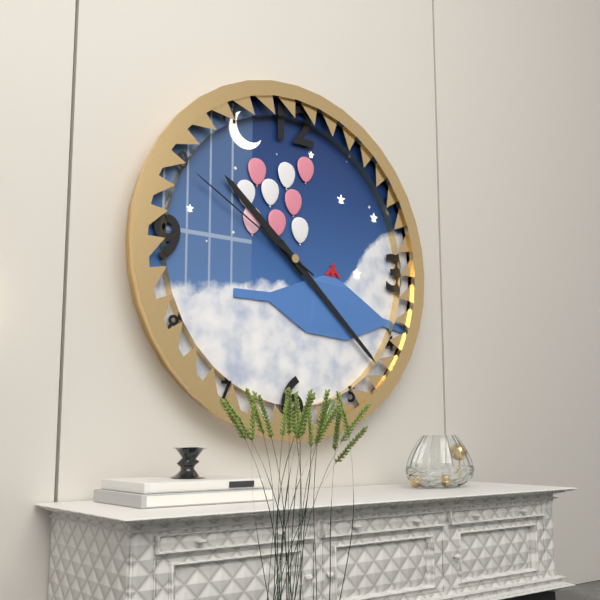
h=10 m=22 s=50
